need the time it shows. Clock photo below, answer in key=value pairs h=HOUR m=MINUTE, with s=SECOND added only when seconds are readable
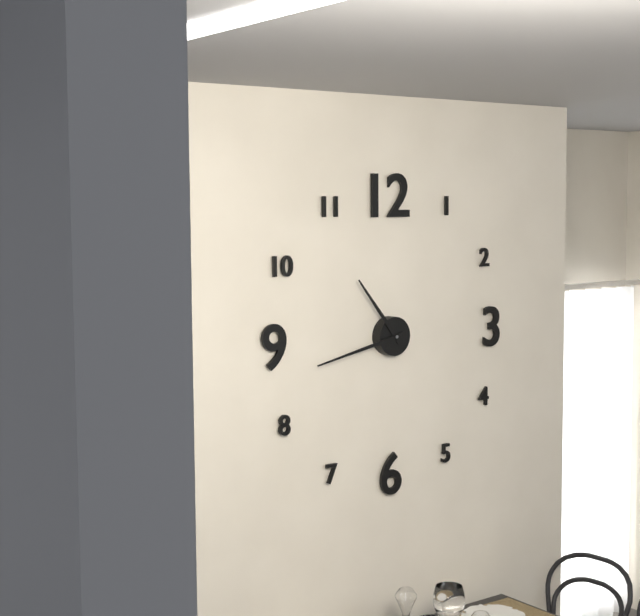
h=10 m=43
